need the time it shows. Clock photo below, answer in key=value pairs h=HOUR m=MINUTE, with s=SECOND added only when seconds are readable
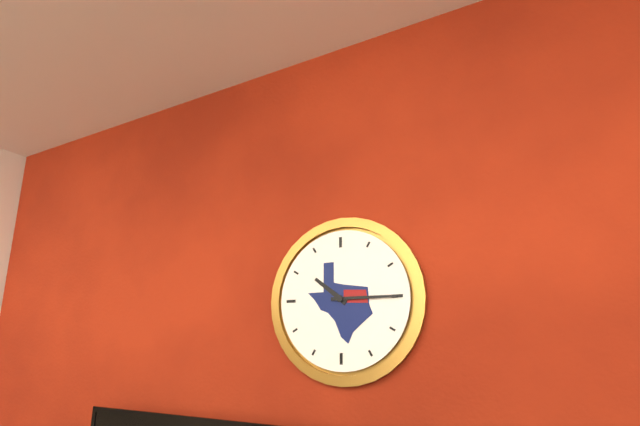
h=10 m=15
